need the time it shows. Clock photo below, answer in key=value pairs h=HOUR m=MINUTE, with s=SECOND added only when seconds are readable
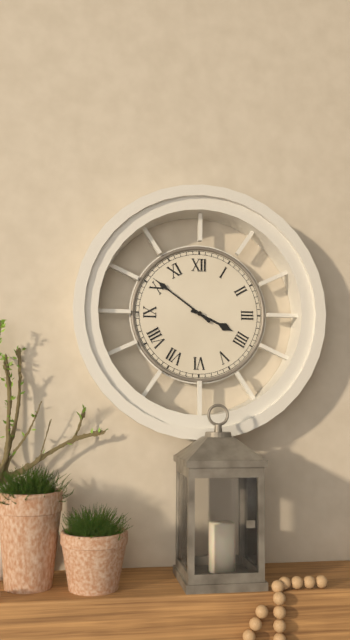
h=3 m=51
